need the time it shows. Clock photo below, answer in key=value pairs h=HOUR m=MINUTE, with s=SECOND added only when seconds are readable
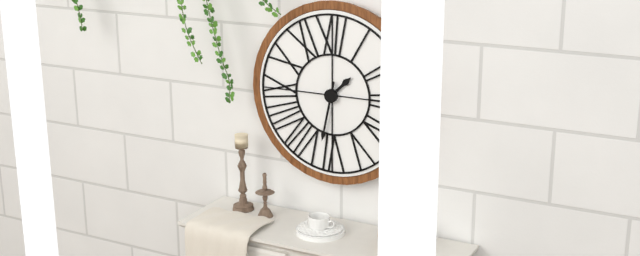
h=1 m=32
